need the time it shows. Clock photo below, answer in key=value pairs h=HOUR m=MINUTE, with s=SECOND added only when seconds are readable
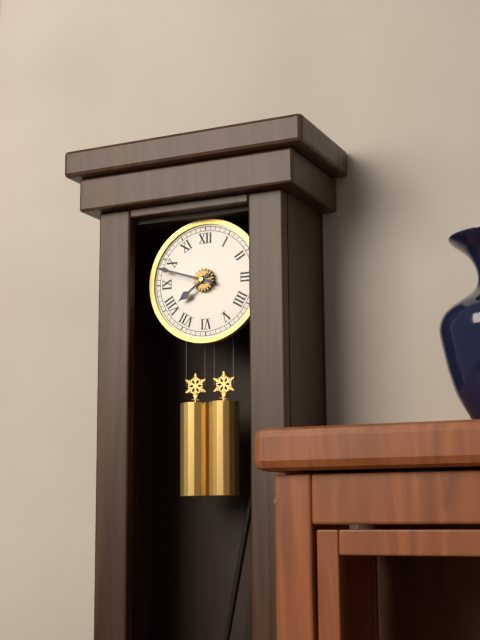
h=7 m=48
